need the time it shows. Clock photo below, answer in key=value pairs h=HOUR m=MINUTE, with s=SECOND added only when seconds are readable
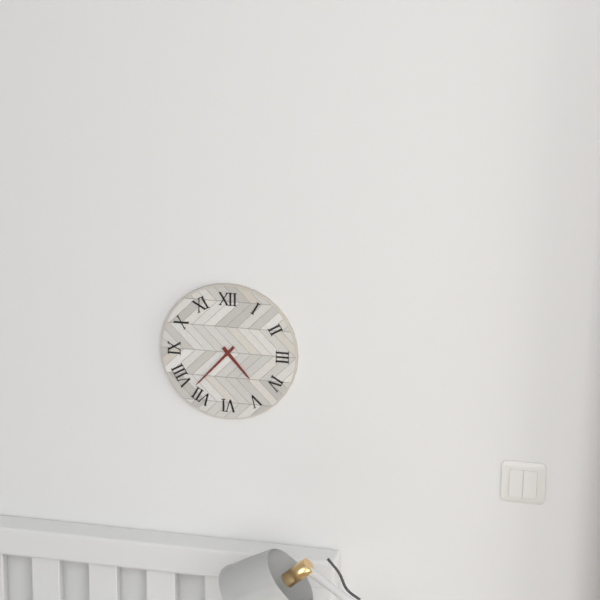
h=4 m=37
